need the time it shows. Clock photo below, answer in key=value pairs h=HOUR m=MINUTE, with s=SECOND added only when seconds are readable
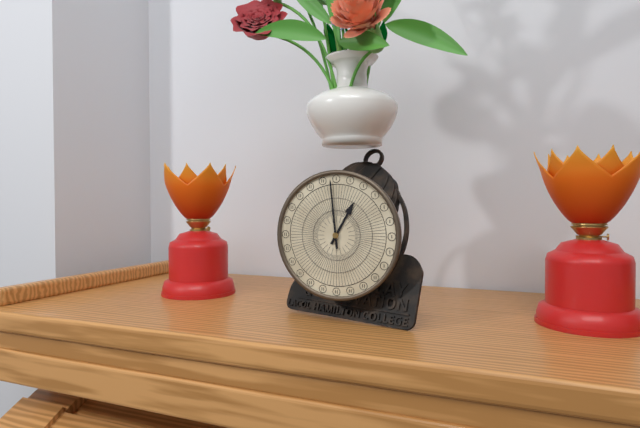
h=12 m=59
